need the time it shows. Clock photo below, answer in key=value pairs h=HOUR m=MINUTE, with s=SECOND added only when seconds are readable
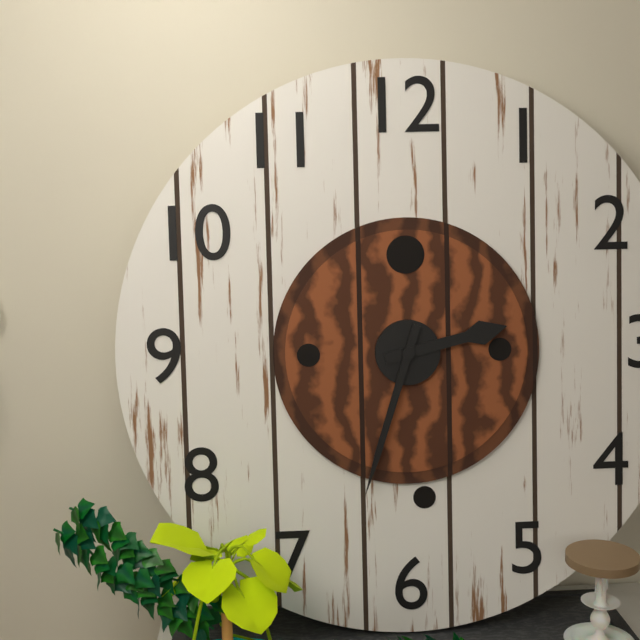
h=2 m=33
